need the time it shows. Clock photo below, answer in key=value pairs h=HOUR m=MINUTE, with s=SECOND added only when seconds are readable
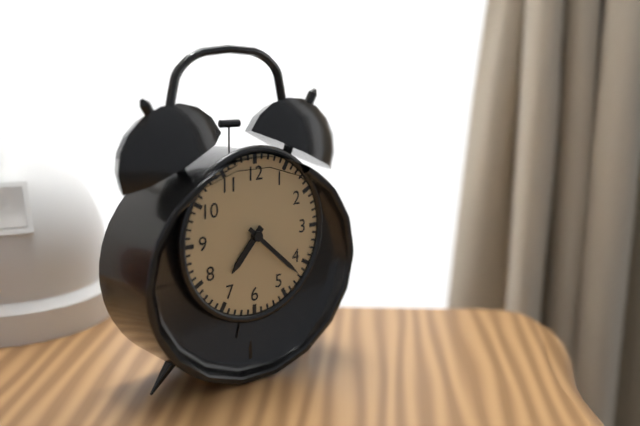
h=7 m=22
